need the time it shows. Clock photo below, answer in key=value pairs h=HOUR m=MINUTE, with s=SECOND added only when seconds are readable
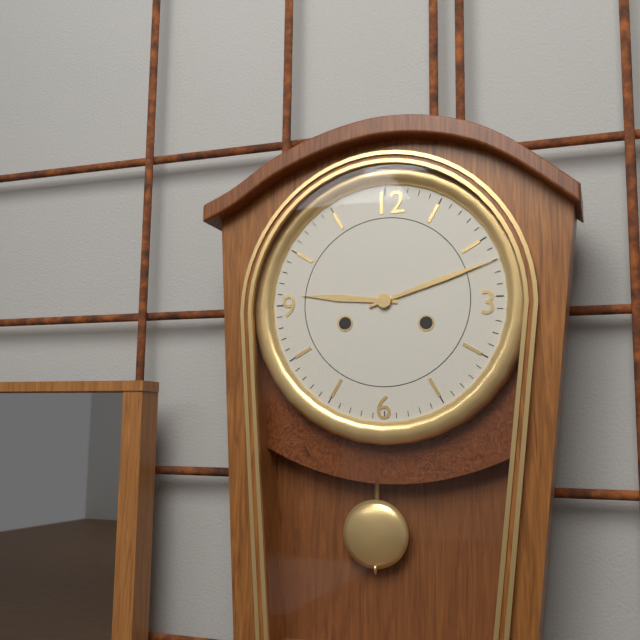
h=9 m=12
